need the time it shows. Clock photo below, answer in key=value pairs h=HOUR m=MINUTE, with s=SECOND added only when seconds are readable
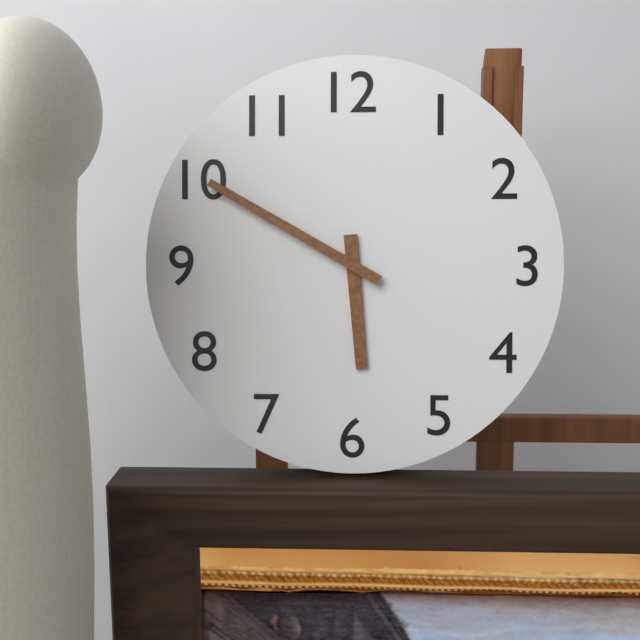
h=5 m=50
